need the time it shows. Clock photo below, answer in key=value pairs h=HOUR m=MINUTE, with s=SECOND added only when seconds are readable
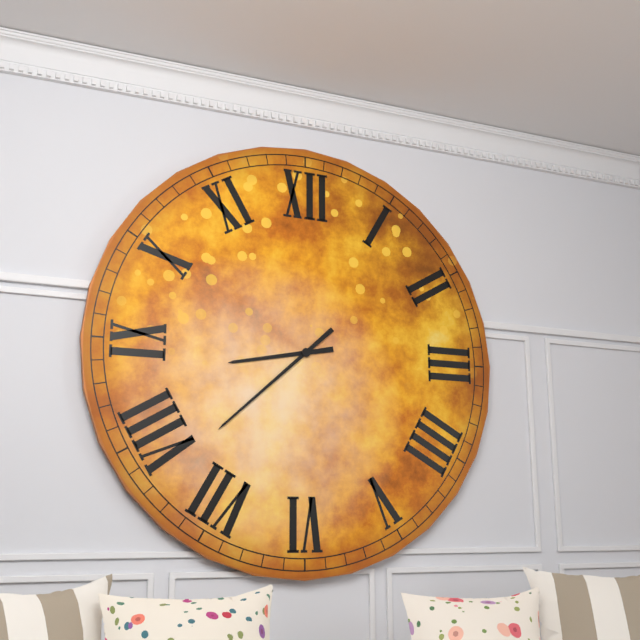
h=8 m=38
